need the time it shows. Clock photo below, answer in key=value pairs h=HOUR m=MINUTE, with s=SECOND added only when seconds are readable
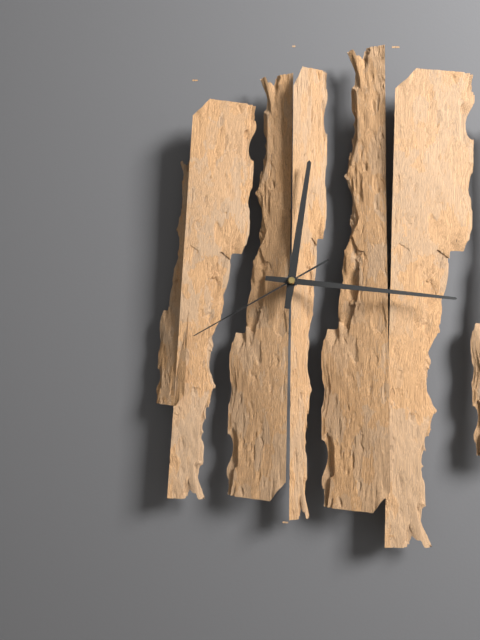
h=12 m=16 s=40
